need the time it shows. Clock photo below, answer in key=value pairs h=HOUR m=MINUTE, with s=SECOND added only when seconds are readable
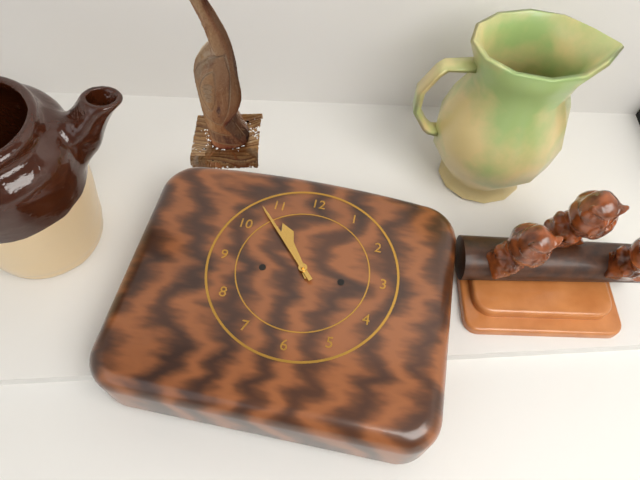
h=10 m=53
